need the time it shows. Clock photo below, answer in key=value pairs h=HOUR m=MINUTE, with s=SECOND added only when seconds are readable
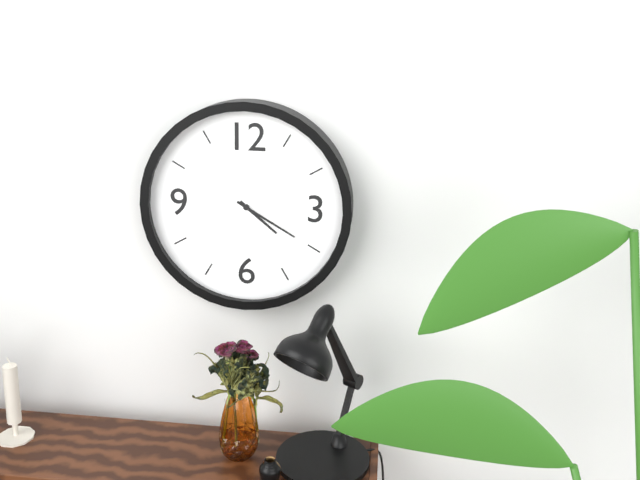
h=4 m=20
